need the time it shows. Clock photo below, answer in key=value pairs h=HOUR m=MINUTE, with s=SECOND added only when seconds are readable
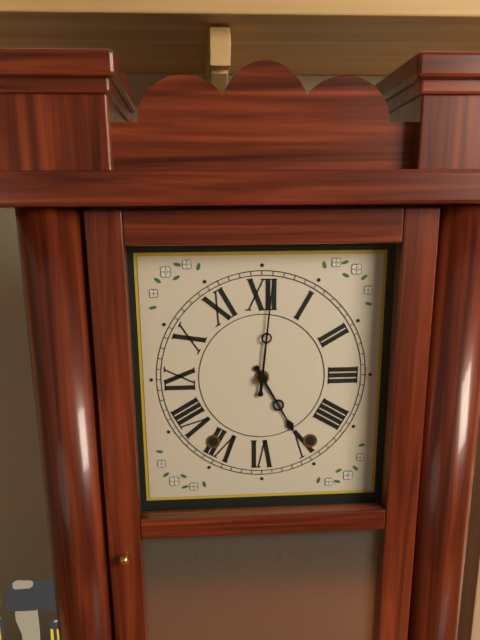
h=5 m=1
